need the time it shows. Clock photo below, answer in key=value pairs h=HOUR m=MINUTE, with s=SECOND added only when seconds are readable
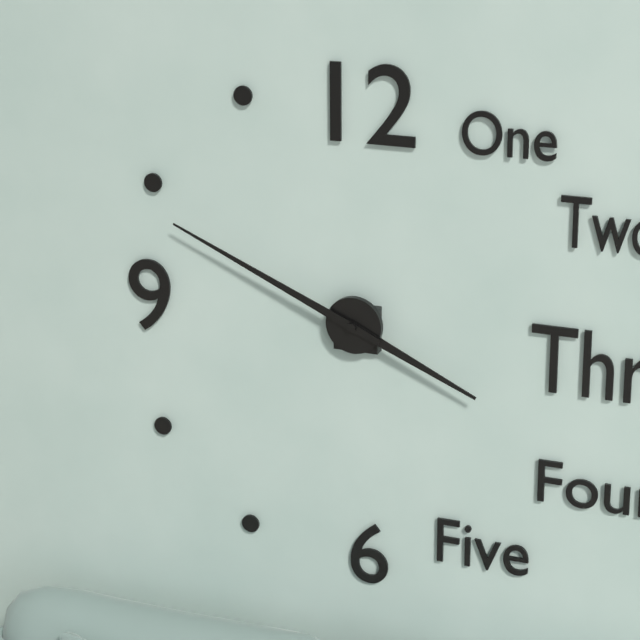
h=3 m=49
